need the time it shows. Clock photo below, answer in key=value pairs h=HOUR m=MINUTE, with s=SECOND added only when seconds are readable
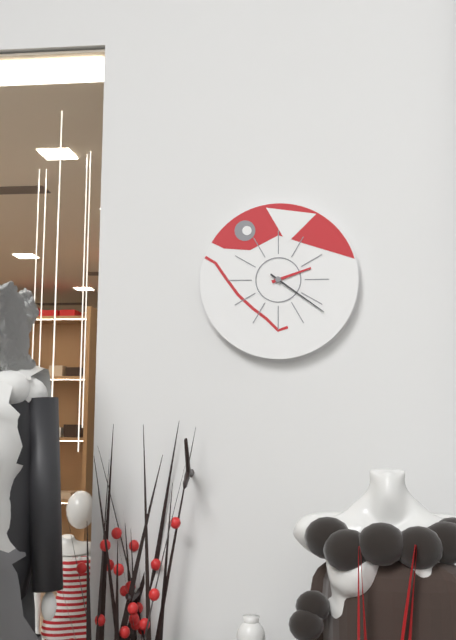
h=2 m=21
